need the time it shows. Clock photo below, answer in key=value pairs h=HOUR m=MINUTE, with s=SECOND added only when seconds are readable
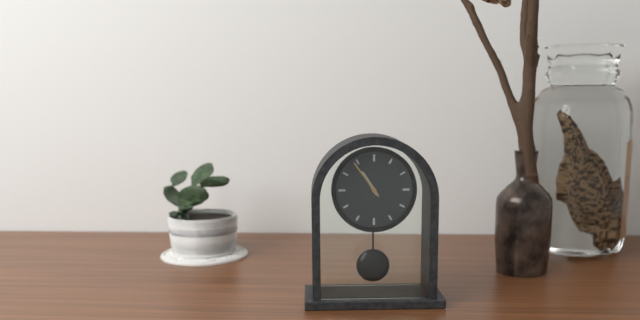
h=10 m=54
